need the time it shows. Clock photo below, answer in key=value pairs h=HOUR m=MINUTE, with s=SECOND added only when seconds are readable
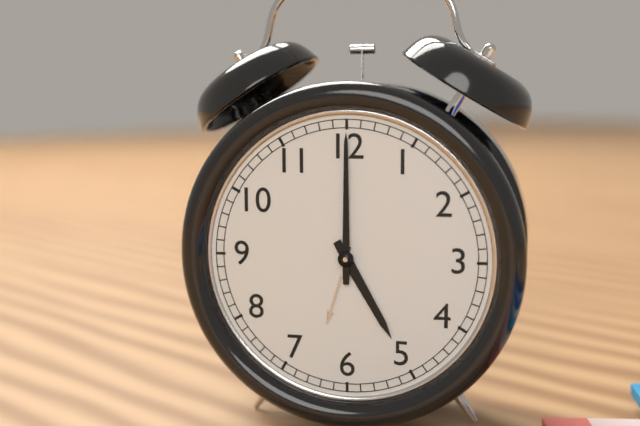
h=5 m=0
